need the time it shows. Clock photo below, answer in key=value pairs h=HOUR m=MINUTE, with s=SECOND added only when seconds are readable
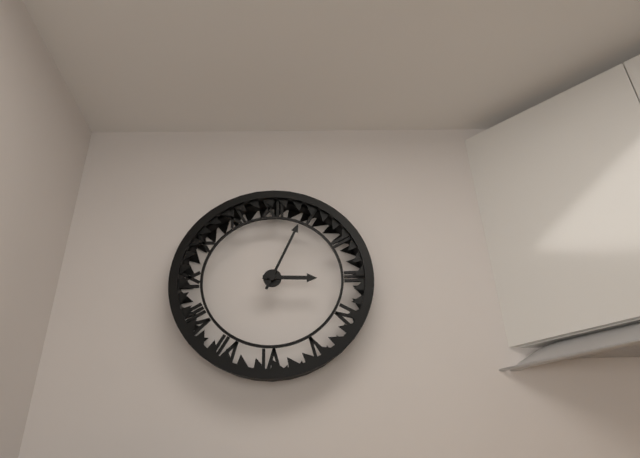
h=3 m=4
